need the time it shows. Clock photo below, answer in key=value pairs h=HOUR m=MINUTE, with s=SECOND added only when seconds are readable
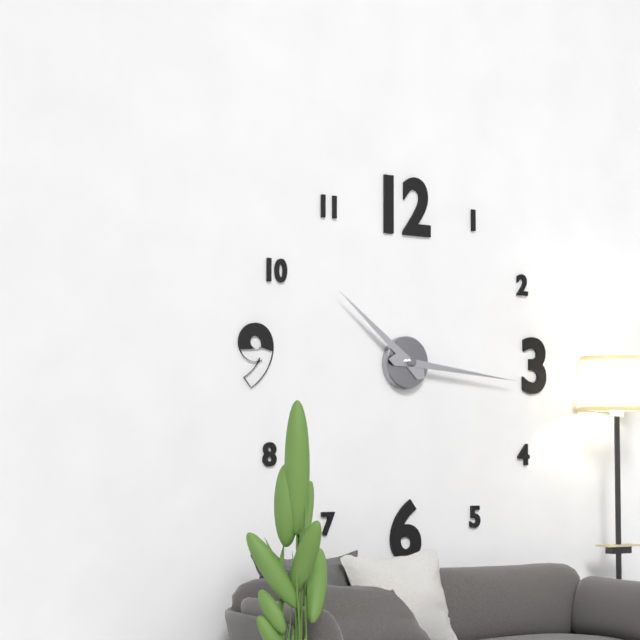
h=10 m=16
